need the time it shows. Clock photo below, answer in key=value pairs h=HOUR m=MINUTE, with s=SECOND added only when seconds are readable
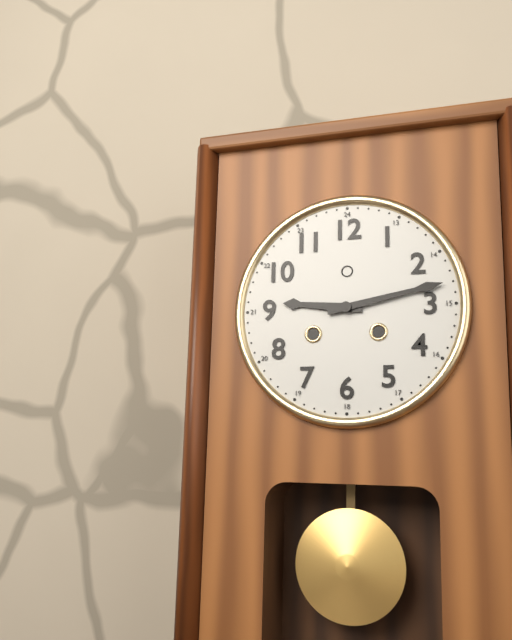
h=9 m=13
